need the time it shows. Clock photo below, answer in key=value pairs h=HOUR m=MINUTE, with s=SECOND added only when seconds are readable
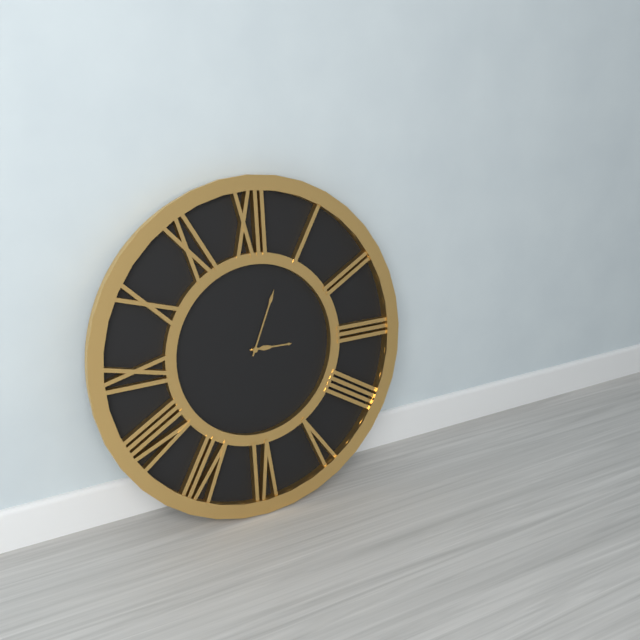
h=3 m=4
